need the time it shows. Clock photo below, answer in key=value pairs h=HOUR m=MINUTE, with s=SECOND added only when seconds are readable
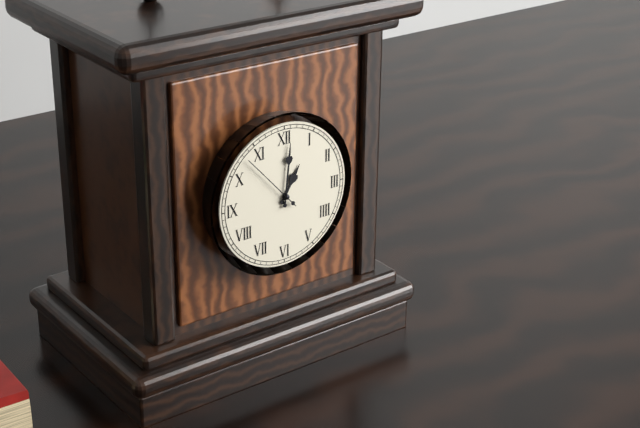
h=1 m=1 s=53
